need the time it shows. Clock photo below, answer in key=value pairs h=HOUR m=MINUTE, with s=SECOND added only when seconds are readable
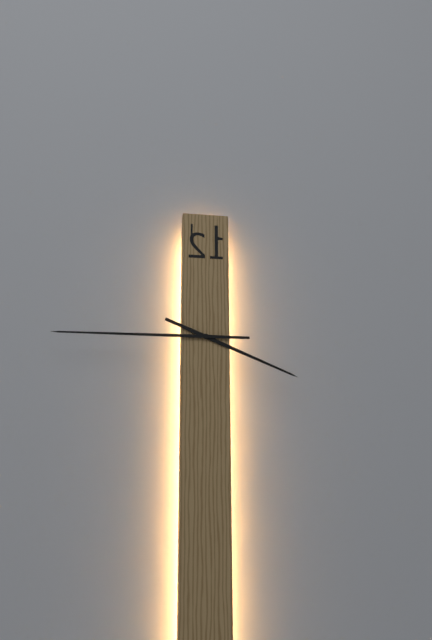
h=3 m=45
